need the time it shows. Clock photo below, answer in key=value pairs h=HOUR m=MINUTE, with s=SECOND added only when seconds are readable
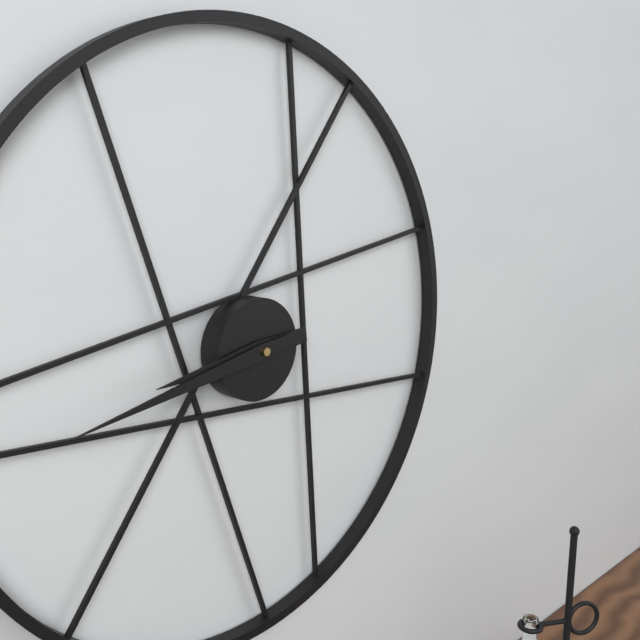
h=8 m=43
